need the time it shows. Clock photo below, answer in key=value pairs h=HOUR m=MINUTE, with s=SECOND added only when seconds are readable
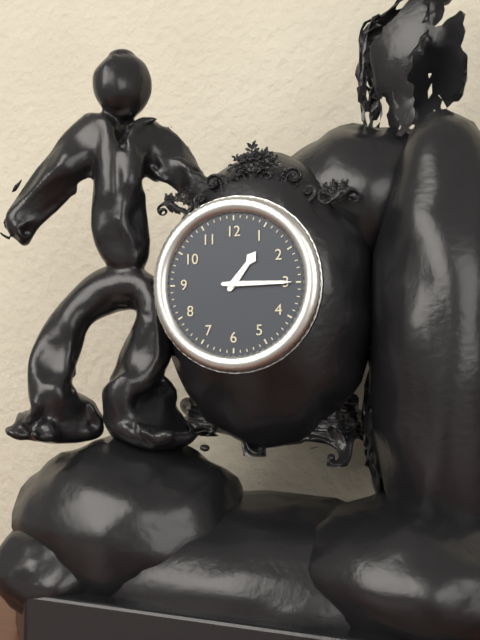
h=1 m=15
